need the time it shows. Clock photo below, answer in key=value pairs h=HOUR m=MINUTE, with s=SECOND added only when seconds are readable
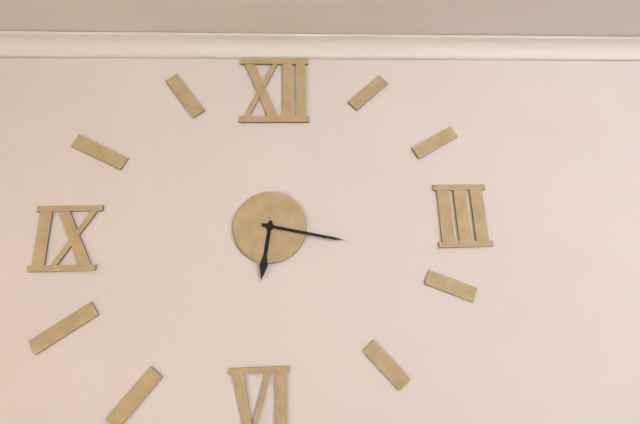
h=6 m=17
